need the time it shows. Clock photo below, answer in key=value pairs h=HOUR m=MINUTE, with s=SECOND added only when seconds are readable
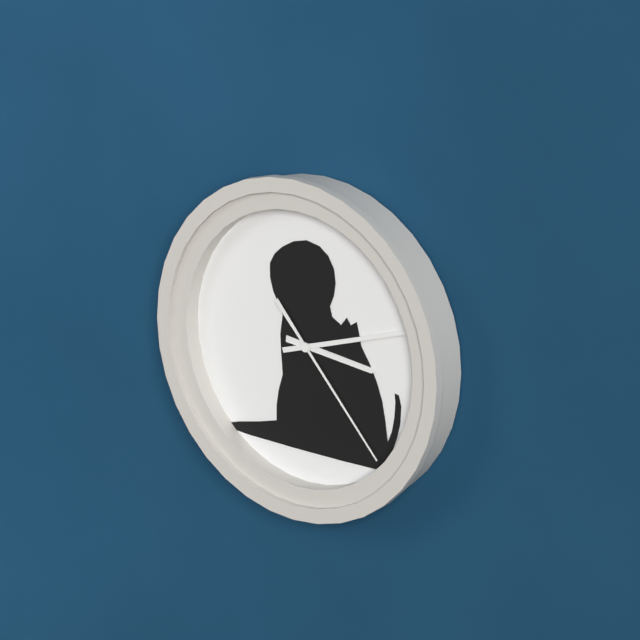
h=3 m=12 s=23
